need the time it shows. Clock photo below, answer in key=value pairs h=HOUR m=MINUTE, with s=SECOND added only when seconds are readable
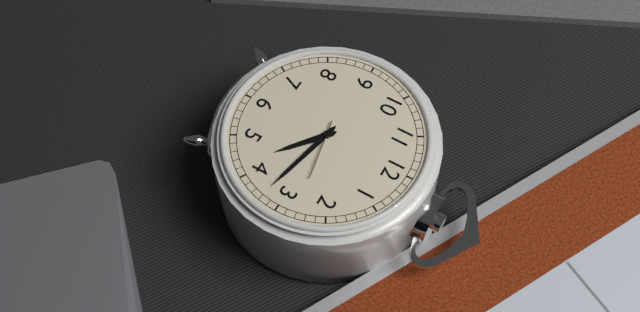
h=4 m=17 s=13
